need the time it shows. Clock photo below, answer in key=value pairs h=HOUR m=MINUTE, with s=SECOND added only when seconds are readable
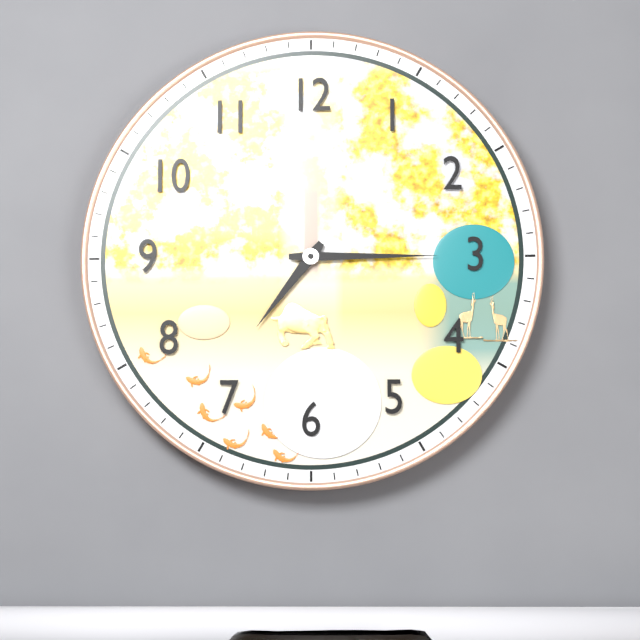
h=7 m=15
